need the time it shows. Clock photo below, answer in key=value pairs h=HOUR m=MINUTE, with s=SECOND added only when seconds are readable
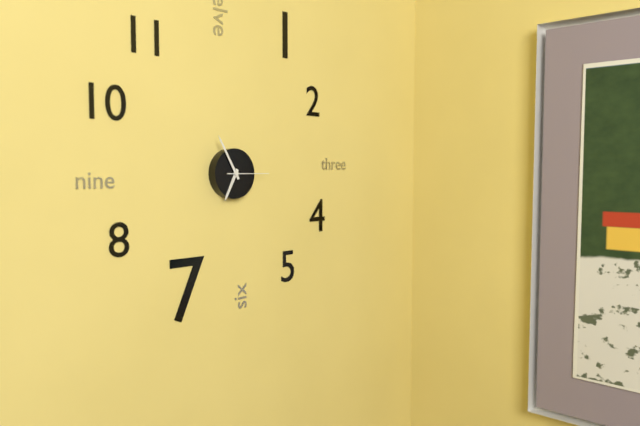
h=6 m=55
